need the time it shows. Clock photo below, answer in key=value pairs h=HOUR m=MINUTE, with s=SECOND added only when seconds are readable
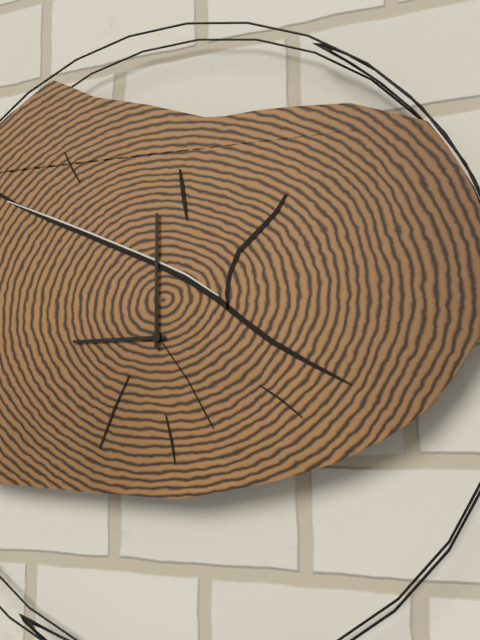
h=9 m=0
